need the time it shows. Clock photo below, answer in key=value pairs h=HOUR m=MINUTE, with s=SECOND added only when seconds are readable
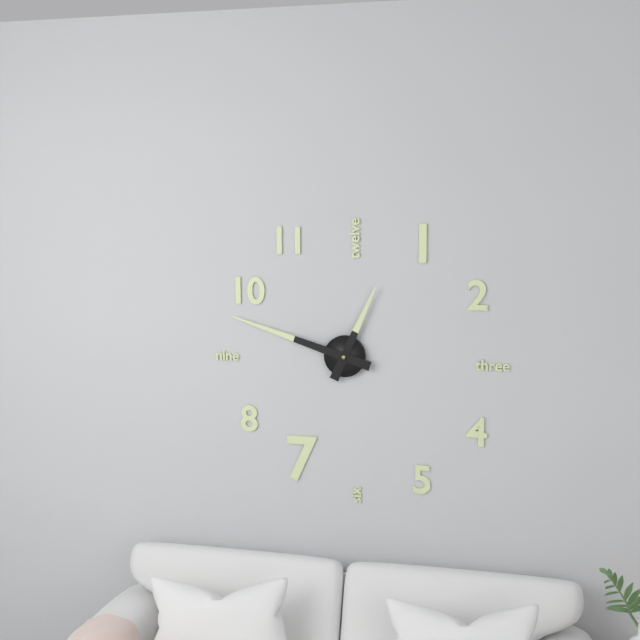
h=12 m=48
